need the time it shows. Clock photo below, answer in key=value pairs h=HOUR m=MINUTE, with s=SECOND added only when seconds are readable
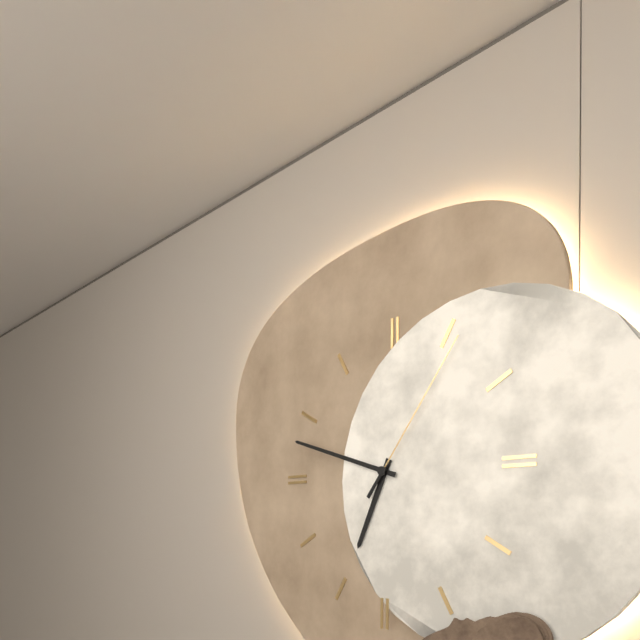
h=6 m=48 s=6
